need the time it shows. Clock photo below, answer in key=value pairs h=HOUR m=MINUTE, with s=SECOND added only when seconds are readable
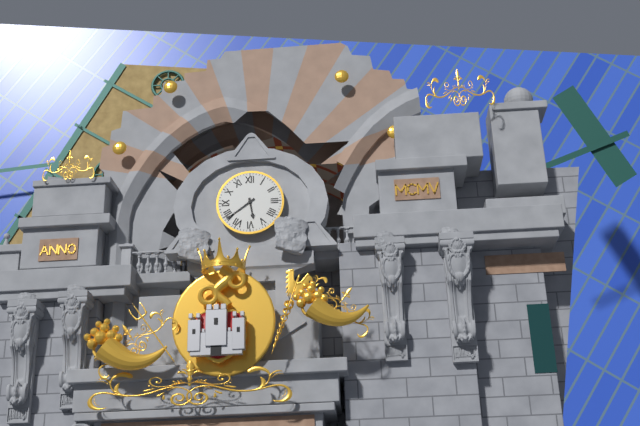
h=5 m=39
